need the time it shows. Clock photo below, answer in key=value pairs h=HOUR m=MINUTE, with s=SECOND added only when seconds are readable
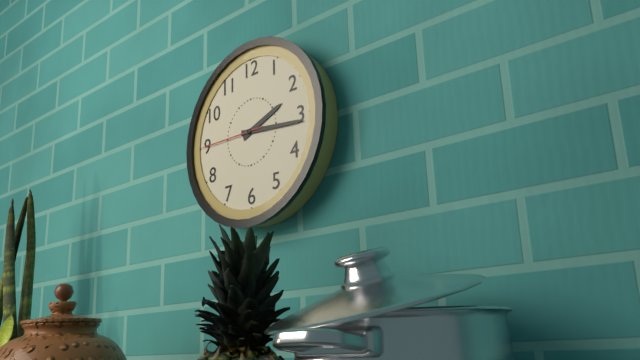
h=2 m=16 s=45
